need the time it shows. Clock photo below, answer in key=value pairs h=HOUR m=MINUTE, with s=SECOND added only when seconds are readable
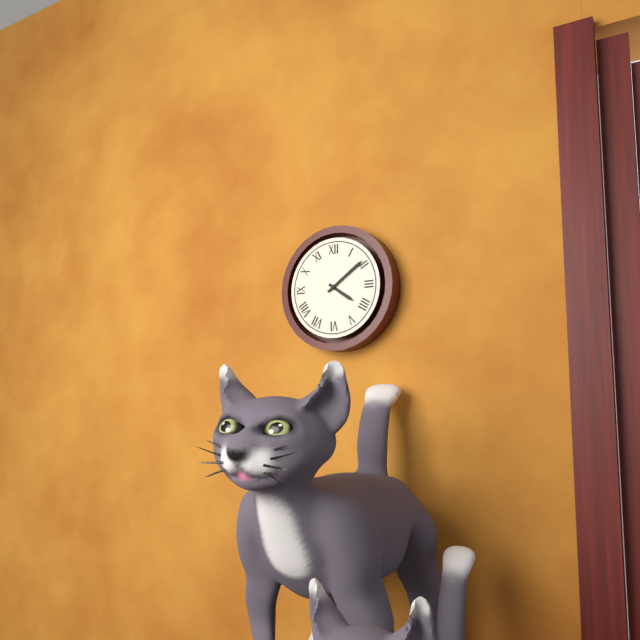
h=4 m=9
